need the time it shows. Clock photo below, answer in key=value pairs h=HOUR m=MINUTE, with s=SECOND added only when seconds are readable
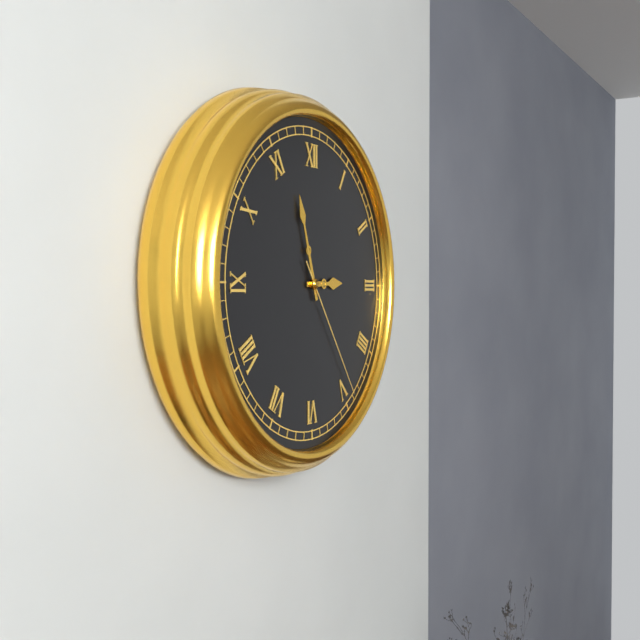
h=2 m=57 s=24
